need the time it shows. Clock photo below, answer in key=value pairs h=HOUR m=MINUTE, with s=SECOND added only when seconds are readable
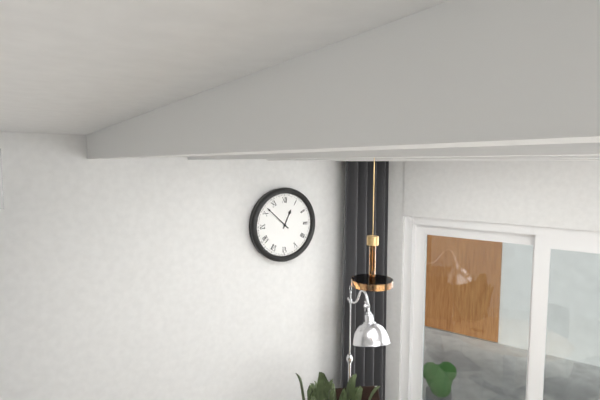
h=12 m=52
